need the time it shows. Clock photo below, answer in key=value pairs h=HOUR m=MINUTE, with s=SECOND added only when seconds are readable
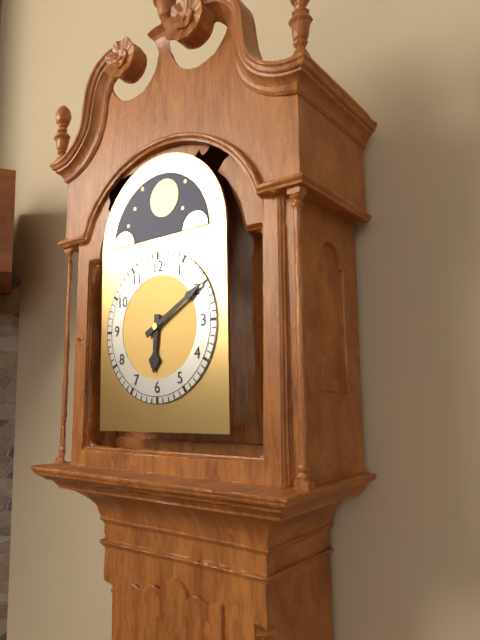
h=6 m=10
